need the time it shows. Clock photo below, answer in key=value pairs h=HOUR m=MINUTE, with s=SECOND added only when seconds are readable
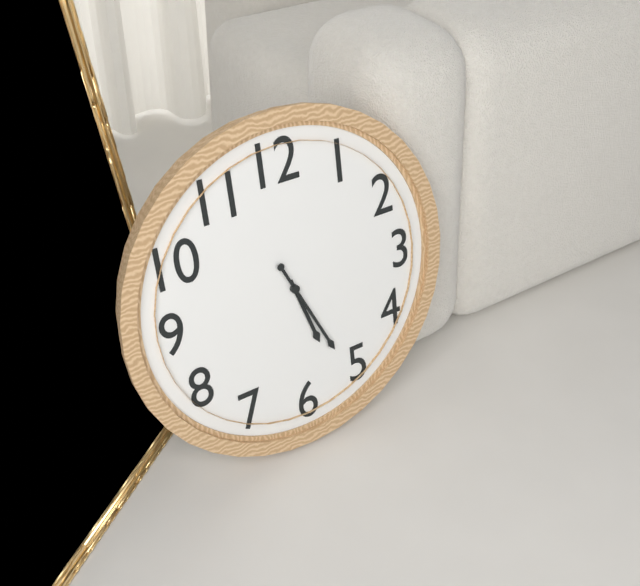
h=5 m=26
